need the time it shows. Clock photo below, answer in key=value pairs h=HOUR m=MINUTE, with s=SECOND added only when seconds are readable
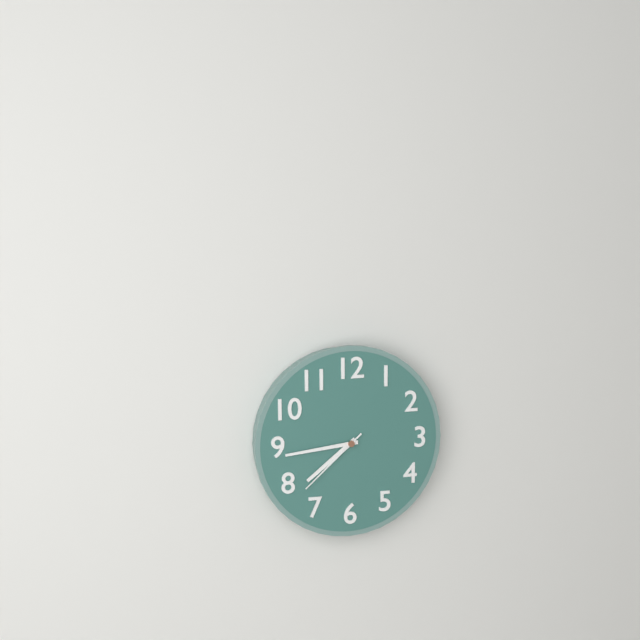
h=7 m=44 s=38
